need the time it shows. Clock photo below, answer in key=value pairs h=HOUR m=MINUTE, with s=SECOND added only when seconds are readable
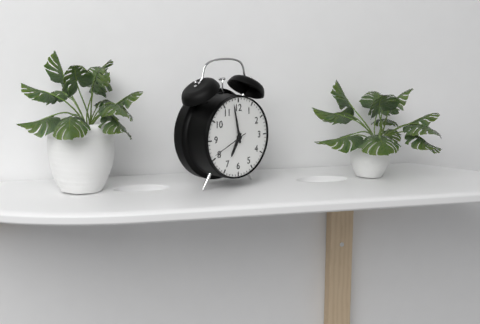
h=6 m=58
